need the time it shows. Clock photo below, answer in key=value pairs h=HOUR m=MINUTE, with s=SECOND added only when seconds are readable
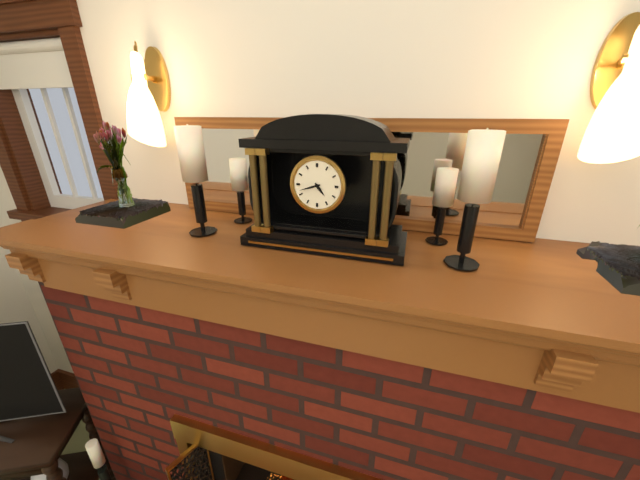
h=4 m=42
